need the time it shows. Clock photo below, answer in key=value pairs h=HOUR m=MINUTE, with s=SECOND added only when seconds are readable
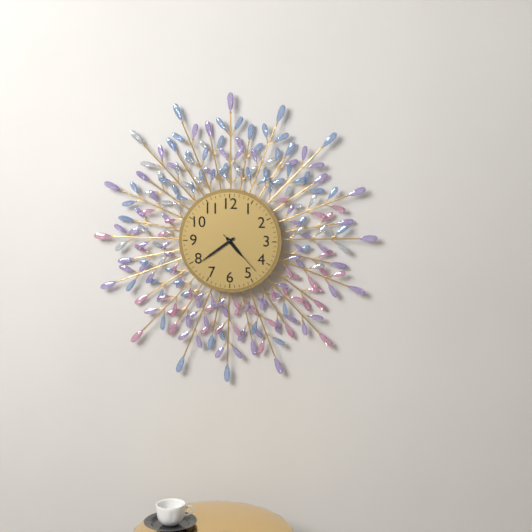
h=4 m=39 s=23
